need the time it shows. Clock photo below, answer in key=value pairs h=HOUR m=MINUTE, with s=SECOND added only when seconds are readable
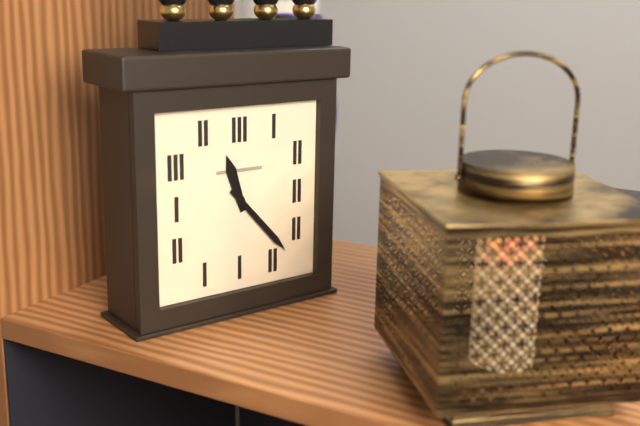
h=11 m=23
